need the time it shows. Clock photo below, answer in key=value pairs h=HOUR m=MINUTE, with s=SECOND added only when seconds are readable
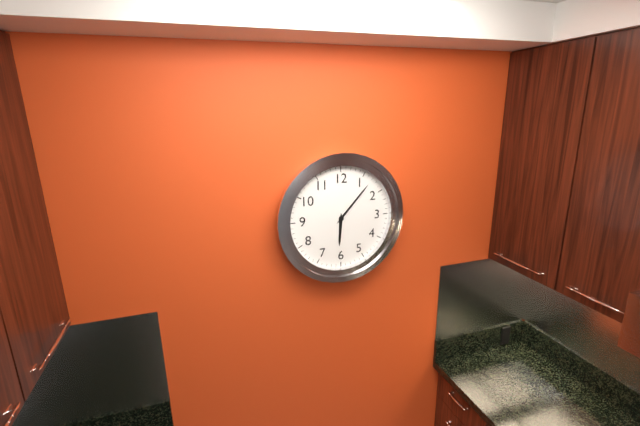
h=6 m=7
